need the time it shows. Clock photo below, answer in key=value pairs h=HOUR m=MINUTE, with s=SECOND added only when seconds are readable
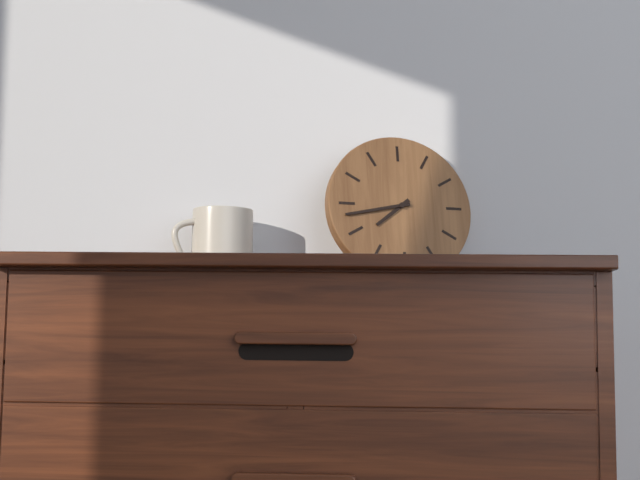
h=7 m=43
